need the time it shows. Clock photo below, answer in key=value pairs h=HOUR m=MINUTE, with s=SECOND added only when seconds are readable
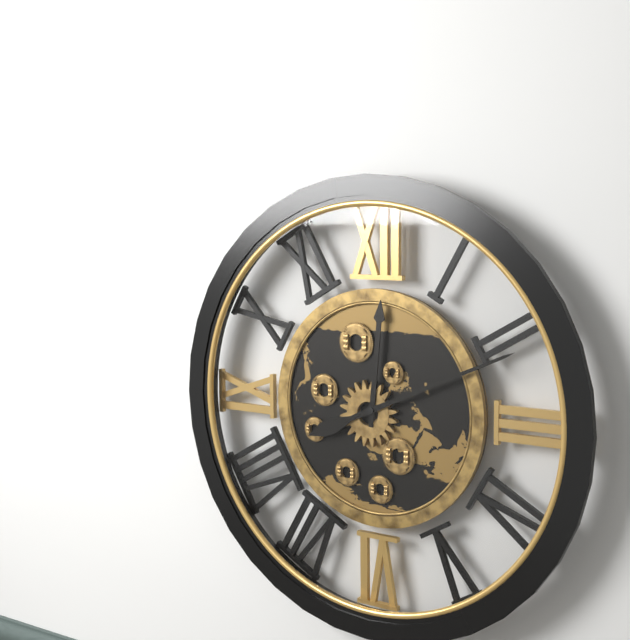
h=12 m=11
